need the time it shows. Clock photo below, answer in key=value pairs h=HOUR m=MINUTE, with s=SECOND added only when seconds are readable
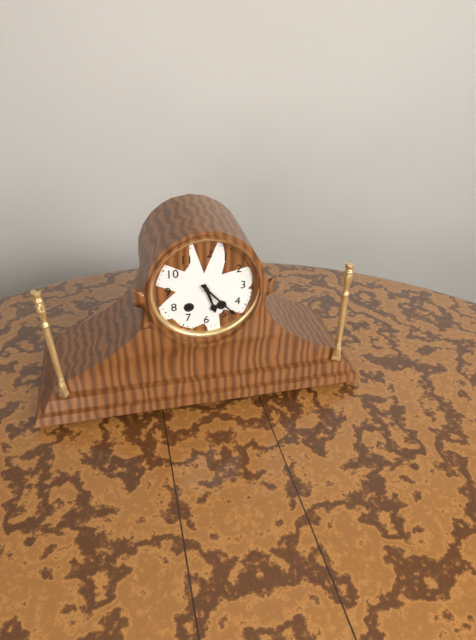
h=5 m=23
